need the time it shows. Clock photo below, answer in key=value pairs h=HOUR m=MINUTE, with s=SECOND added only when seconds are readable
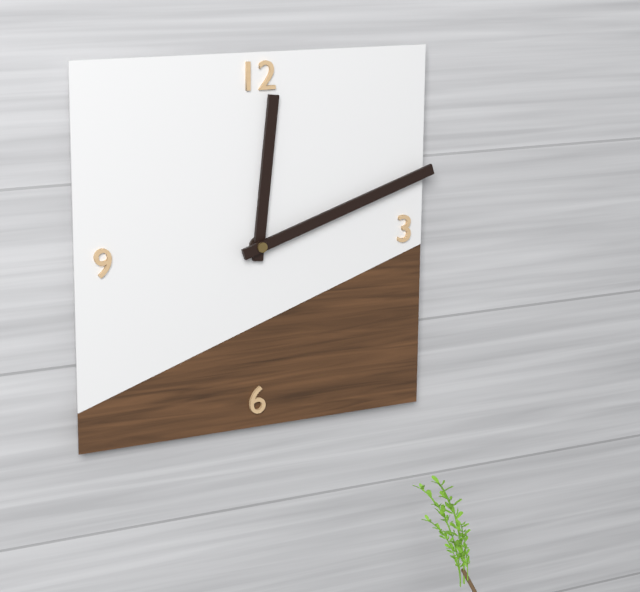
h=12 m=12
